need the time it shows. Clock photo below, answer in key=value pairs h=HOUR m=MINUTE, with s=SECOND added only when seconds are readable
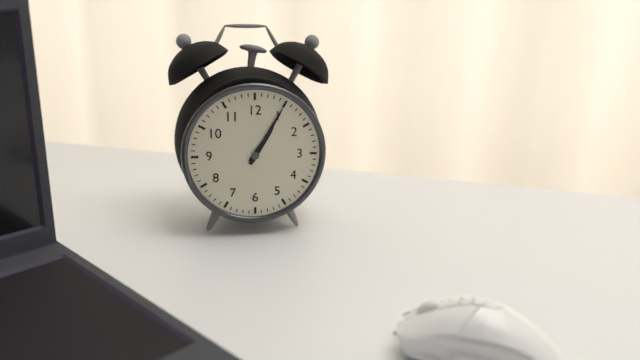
h=1 m=5
